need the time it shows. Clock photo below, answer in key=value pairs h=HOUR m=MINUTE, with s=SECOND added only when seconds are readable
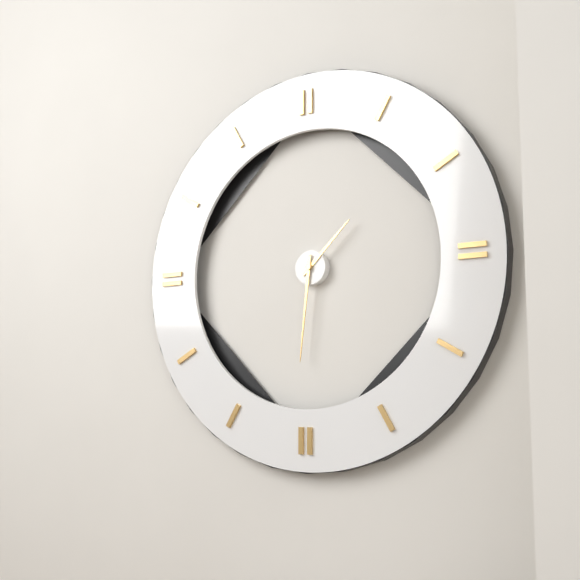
h=1 m=31
